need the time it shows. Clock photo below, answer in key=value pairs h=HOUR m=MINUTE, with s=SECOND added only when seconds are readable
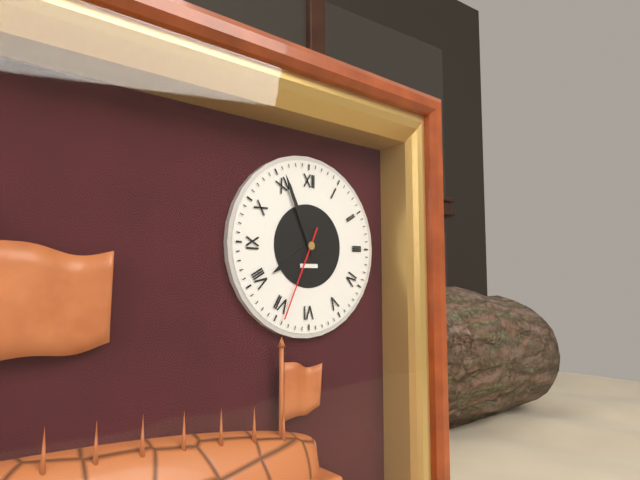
h=7 m=56 s=34
